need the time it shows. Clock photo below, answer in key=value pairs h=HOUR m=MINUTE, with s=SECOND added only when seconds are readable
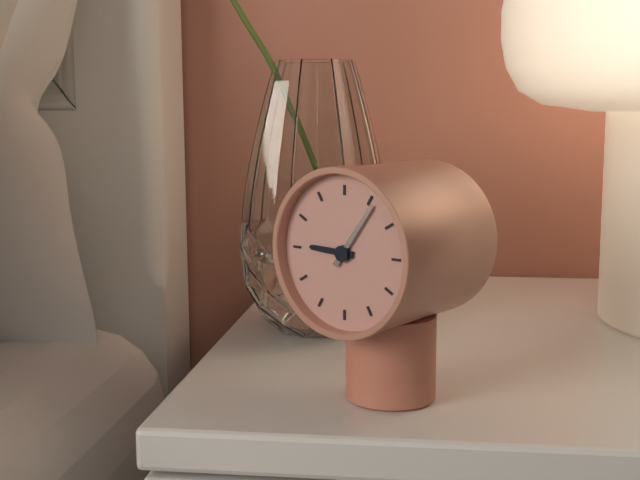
h=9 m=6
